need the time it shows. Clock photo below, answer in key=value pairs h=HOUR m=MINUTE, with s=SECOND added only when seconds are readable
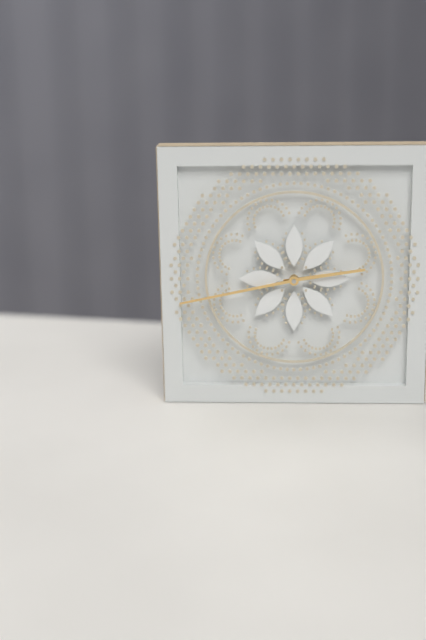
h=2 m=43
